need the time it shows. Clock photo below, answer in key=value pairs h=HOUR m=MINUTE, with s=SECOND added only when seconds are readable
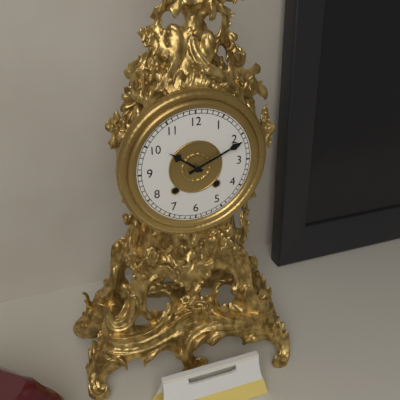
h=10 m=11
